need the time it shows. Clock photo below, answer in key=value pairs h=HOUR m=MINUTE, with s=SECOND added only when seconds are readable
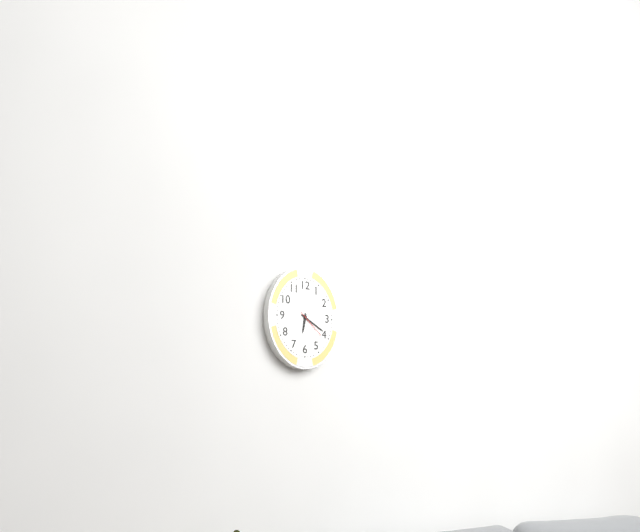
h=6 m=20
